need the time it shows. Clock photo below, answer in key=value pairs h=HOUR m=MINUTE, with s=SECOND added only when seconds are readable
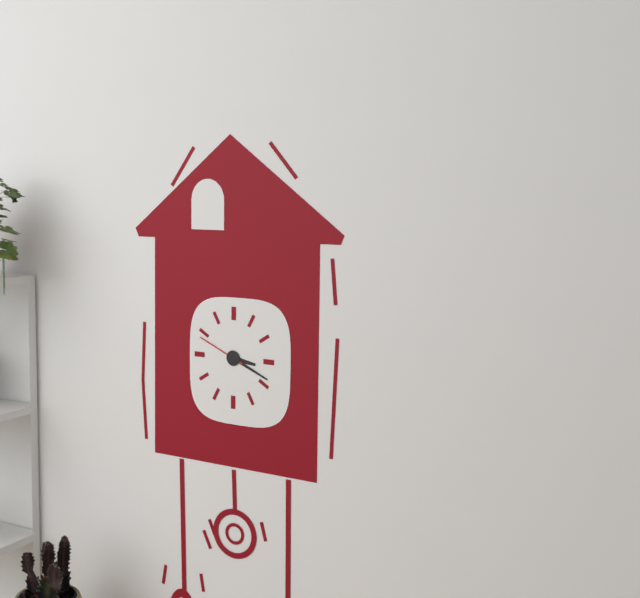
h=3 m=19
